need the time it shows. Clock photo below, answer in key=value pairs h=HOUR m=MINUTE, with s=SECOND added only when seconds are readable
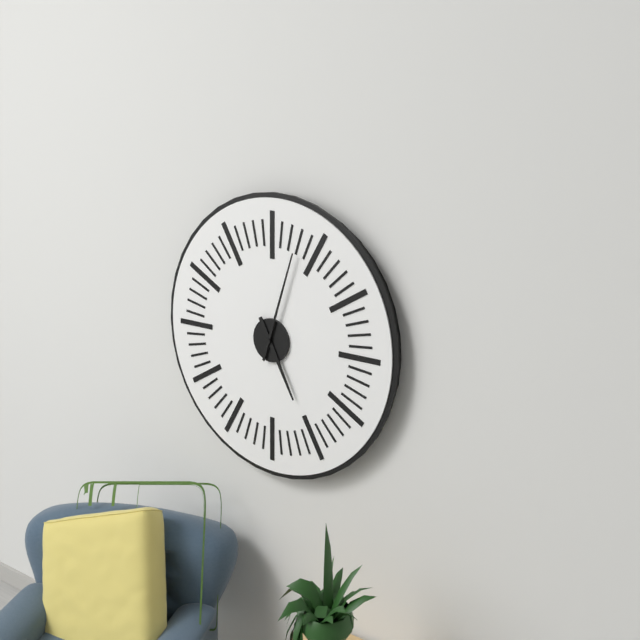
h=5 m=3
